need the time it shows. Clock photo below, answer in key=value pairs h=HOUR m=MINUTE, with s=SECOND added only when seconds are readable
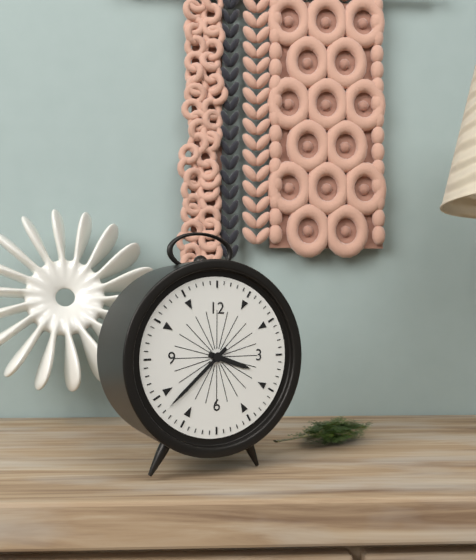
h=3 m=38
